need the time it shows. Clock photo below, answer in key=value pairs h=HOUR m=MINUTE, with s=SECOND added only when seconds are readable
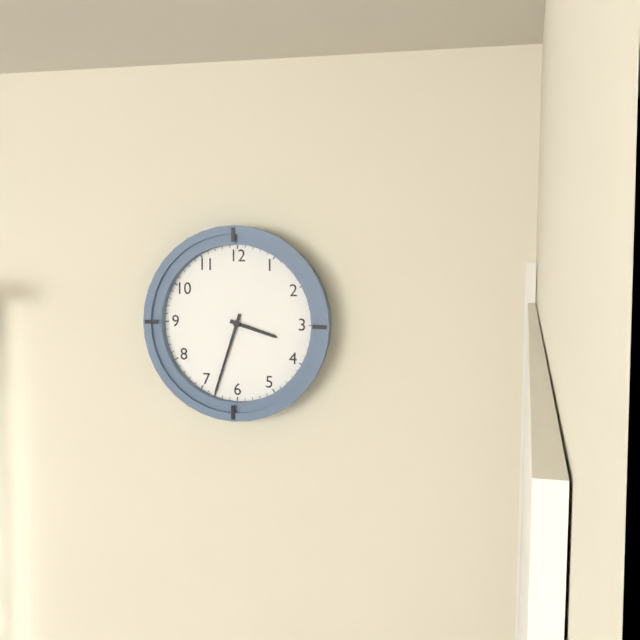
h=3 m=33
